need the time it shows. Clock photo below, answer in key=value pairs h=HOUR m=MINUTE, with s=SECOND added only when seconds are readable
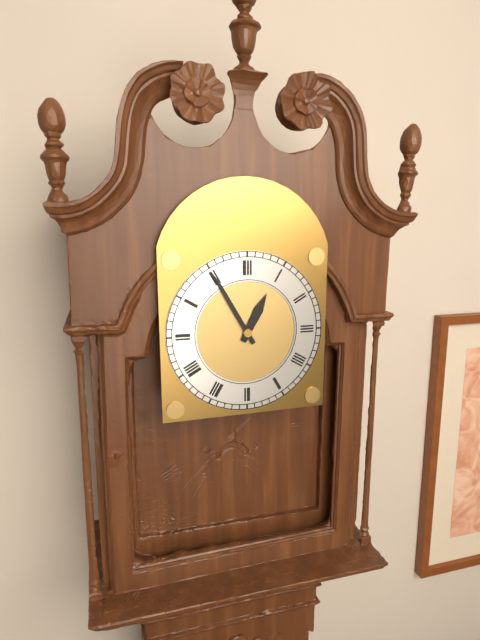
h=12 m=55
